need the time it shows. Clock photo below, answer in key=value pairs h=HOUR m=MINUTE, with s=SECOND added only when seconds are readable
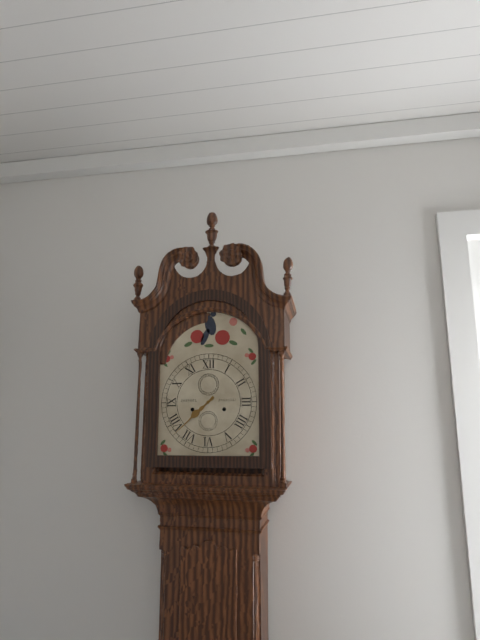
h=7 m=38
